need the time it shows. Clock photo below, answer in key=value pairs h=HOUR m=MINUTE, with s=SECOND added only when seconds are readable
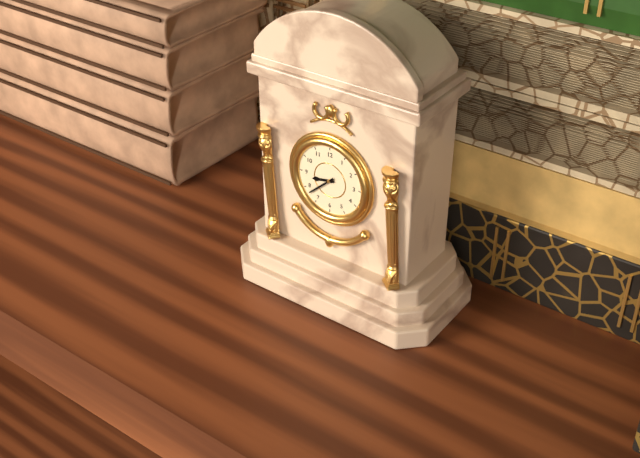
h=8 m=38
